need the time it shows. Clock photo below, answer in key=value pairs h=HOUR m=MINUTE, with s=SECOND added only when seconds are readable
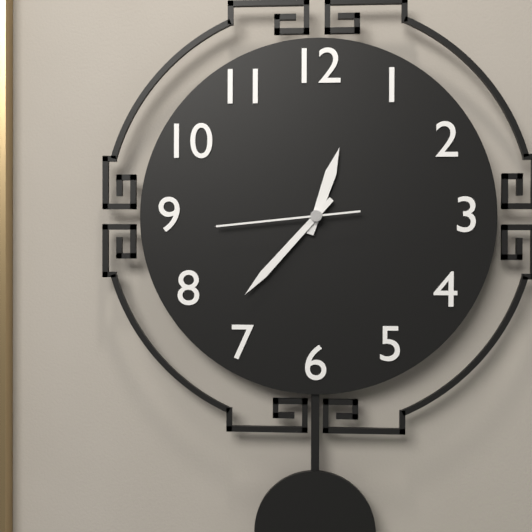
h=12 m=37 s=44
